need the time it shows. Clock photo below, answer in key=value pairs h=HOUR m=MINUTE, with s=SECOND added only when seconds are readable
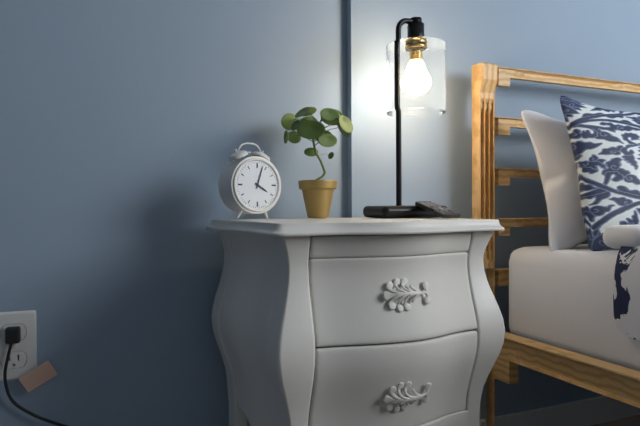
h=4 m=3
